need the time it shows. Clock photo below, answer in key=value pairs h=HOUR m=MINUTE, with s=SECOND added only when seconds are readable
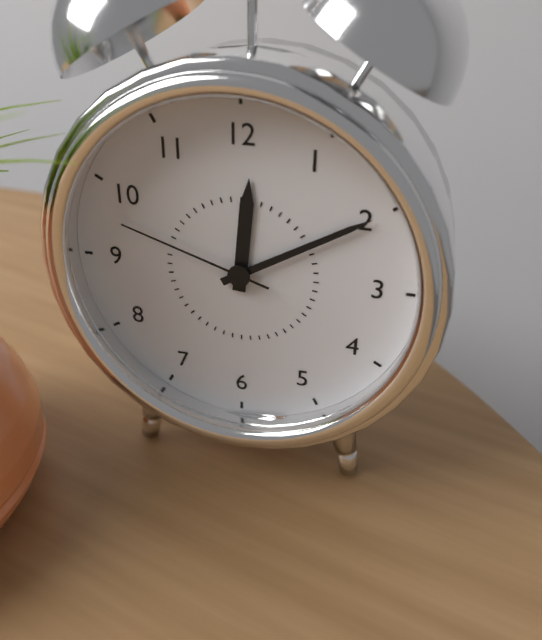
h=12 m=10 s=48
